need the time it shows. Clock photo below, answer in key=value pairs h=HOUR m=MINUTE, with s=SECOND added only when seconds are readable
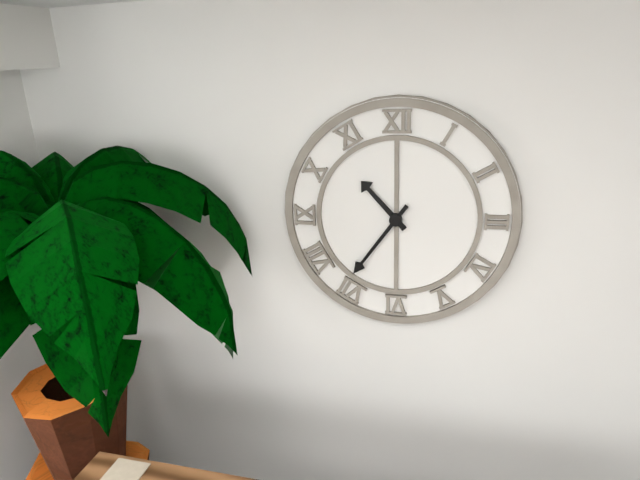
h=10 m=36
